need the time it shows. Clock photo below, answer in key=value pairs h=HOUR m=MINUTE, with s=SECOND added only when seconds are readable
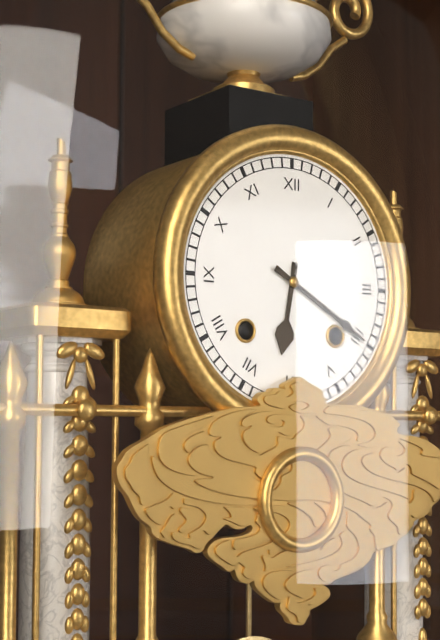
h=6 m=20
